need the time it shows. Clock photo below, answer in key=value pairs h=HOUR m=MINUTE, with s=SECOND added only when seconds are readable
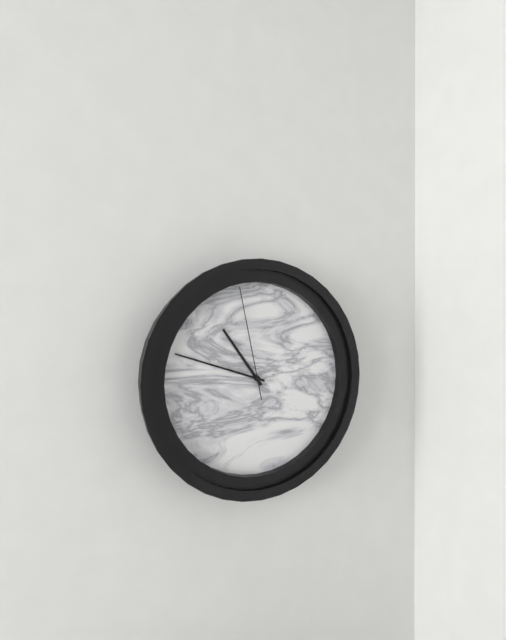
h=10 m=48 s=58
